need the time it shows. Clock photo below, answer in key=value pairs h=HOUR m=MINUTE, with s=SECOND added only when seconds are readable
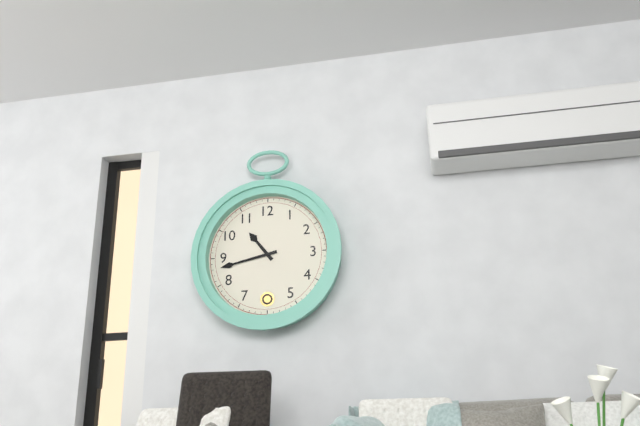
h=10 m=43
